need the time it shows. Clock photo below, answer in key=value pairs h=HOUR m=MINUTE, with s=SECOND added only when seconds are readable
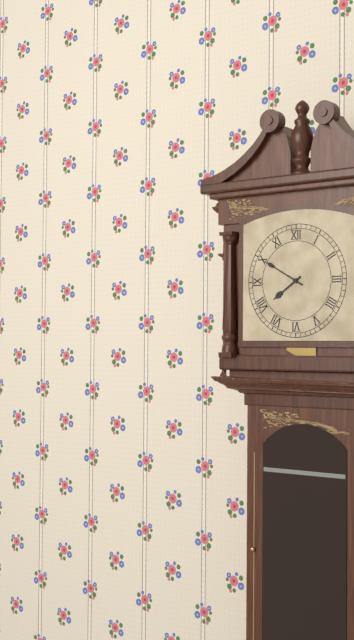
h=7 m=50
